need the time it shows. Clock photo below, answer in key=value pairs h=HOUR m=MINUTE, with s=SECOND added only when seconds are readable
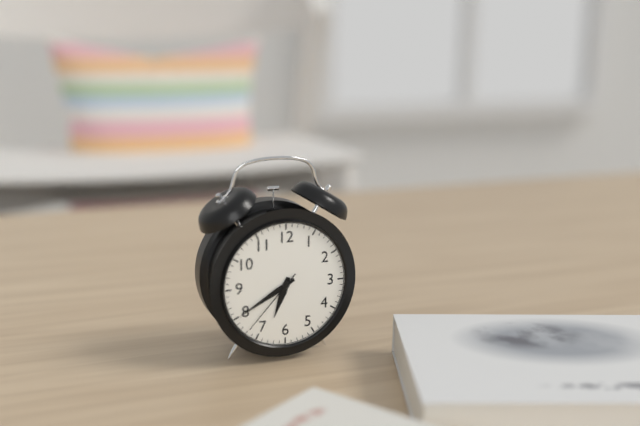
h=6 m=40 s=37
